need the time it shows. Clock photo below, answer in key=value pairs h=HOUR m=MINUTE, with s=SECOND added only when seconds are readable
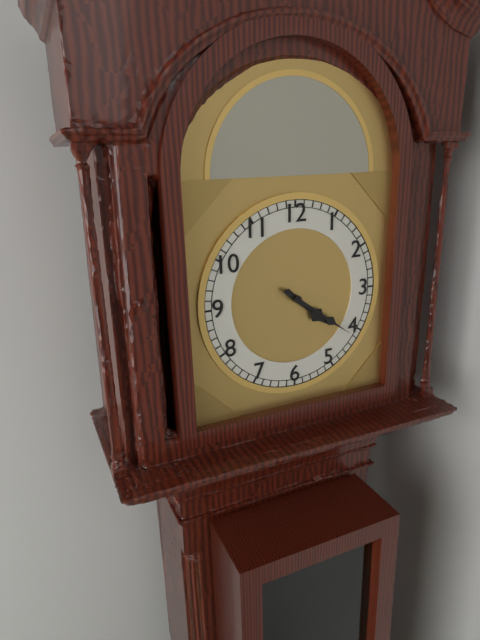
h=4 m=21
